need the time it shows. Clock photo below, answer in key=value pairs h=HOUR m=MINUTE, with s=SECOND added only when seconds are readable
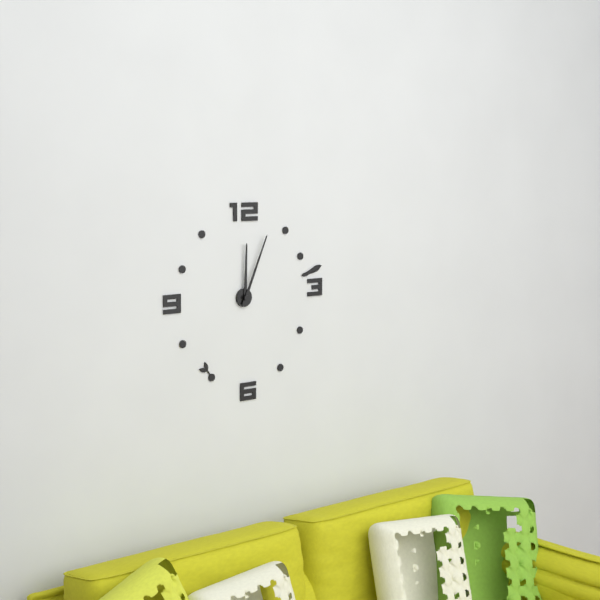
h=12 m=4
